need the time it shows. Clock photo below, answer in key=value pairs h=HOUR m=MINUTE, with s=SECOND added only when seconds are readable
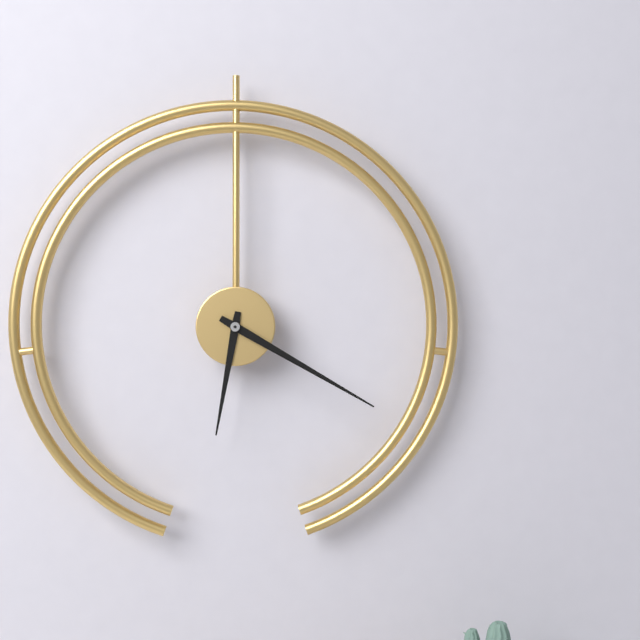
h=6 m=20
